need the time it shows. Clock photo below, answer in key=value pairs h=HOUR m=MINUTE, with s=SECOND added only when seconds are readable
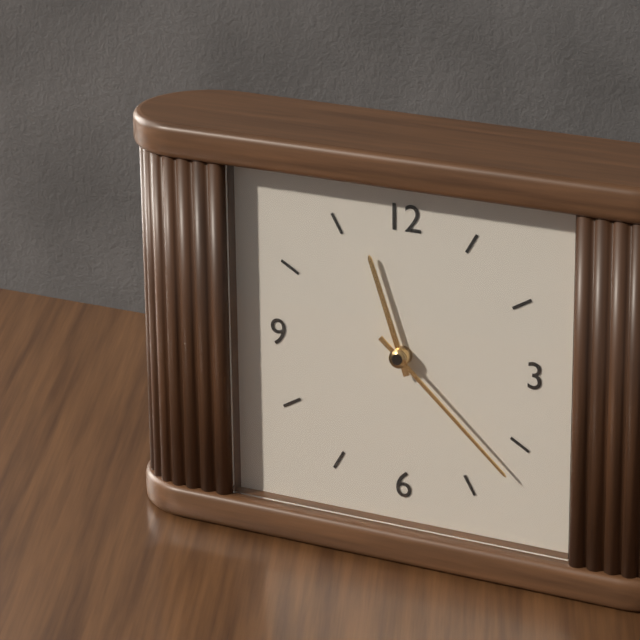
h=11 m=22
